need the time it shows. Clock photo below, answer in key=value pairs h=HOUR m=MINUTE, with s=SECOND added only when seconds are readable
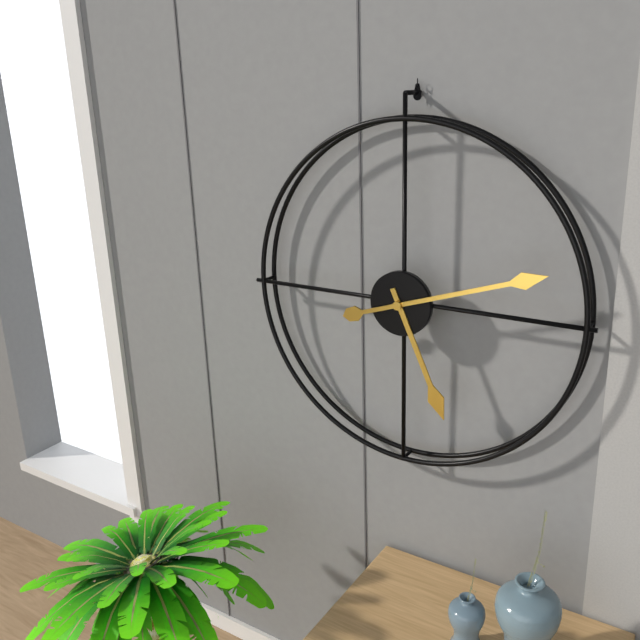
h=5 m=12
